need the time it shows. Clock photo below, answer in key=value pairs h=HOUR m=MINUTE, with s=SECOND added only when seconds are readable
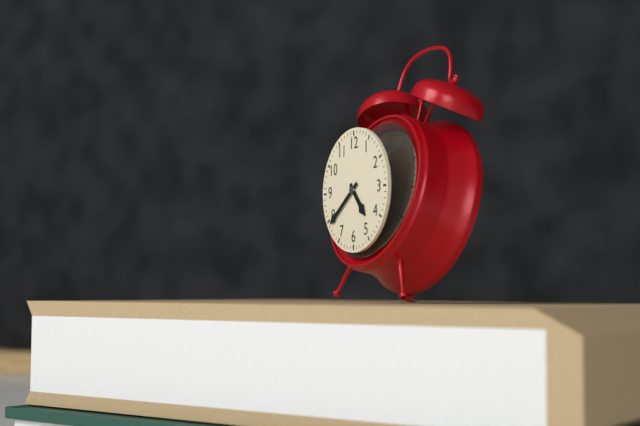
h=4 m=39
